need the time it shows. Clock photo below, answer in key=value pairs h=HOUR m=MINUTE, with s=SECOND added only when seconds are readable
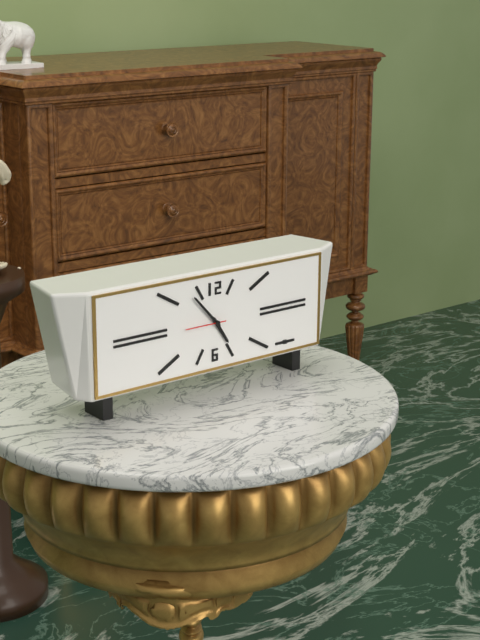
h=4 m=53
